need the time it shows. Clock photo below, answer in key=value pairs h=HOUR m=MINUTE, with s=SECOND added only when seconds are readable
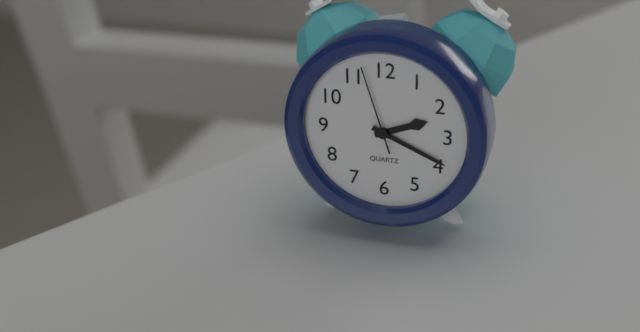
h=2 m=19 s=57
